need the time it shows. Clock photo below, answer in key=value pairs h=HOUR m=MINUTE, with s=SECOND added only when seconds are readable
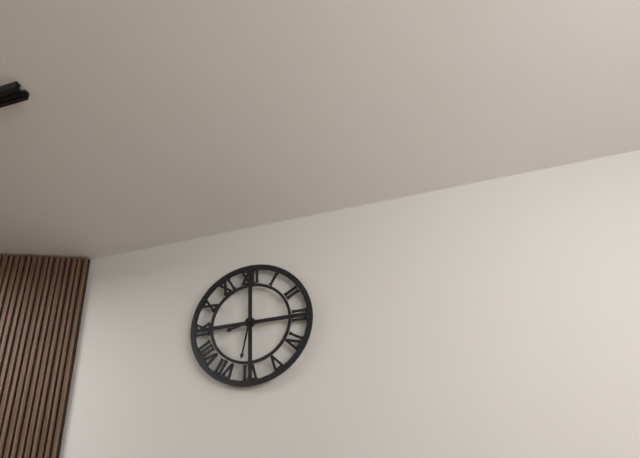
h=8 m=32
